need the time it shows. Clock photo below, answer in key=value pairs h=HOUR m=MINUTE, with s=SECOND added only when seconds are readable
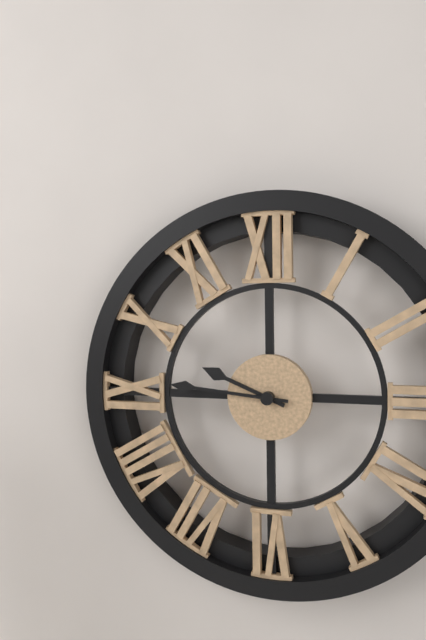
h=9 m=46
